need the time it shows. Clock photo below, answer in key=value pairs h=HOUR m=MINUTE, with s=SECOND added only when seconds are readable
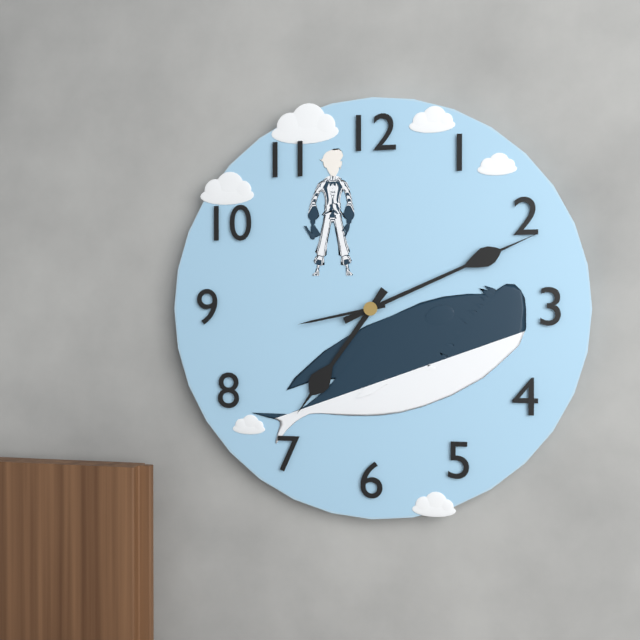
h=7 m=11 s=43
